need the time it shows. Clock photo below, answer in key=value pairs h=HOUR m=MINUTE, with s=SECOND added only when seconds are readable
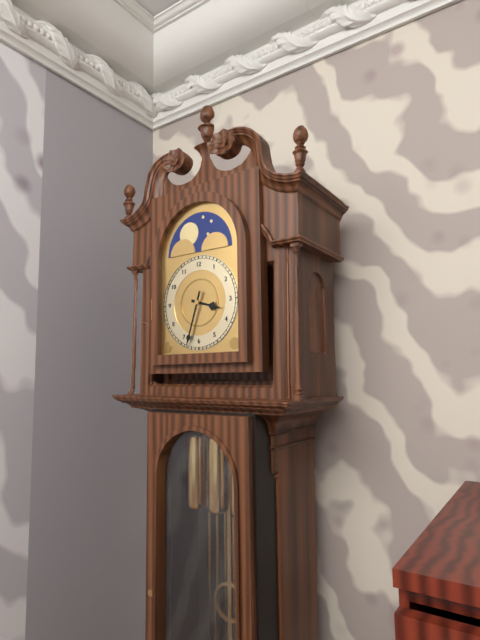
h=3 m=33
